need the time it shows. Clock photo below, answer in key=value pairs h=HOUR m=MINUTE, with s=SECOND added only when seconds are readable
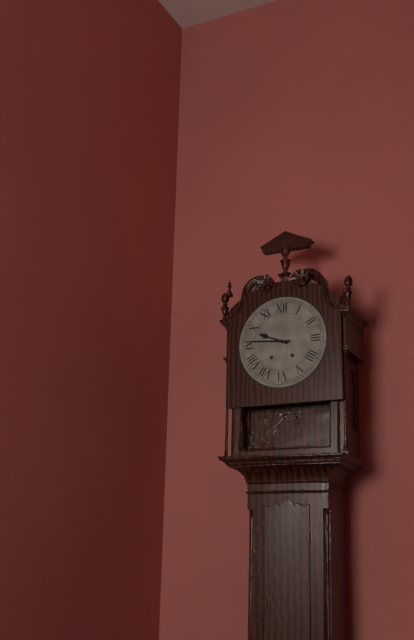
h=9 m=46
